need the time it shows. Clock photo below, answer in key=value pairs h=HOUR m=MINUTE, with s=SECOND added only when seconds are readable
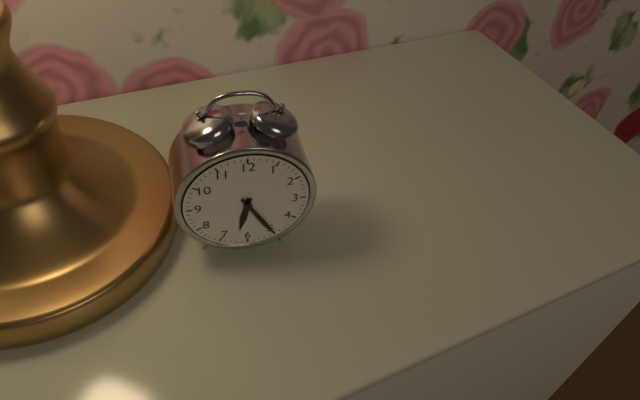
h=6 m=25
